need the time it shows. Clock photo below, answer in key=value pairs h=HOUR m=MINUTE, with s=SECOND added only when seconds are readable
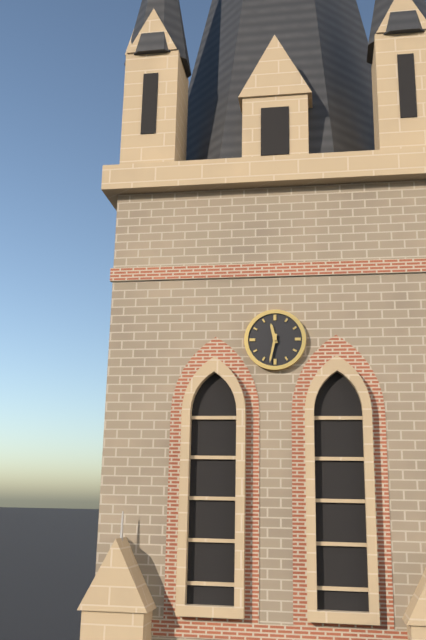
h=11 m=32
